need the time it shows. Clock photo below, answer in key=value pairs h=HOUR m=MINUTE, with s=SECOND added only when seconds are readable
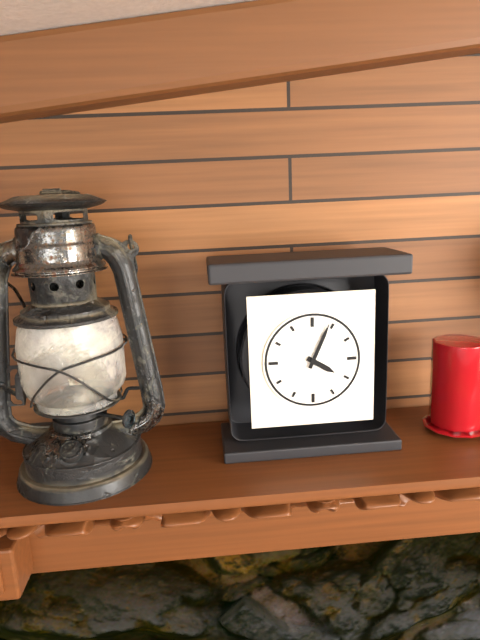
h=4 m=4
